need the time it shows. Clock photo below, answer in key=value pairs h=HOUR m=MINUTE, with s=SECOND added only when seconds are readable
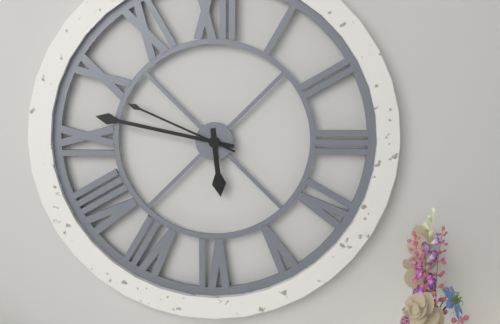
h=5 m=47 s=49
